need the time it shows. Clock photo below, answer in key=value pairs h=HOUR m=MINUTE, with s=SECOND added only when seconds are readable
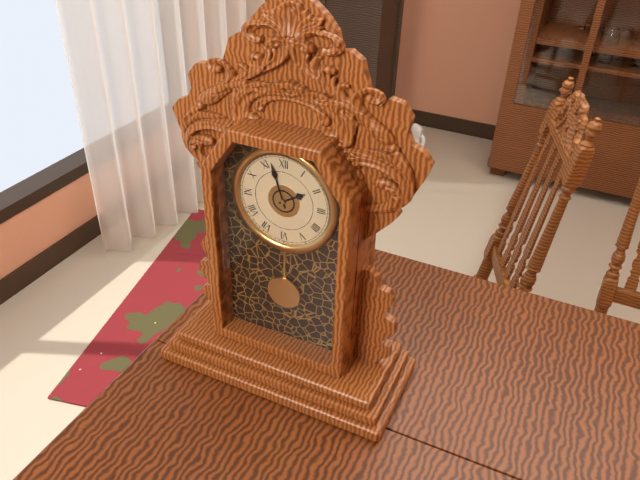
h=1 m=57
